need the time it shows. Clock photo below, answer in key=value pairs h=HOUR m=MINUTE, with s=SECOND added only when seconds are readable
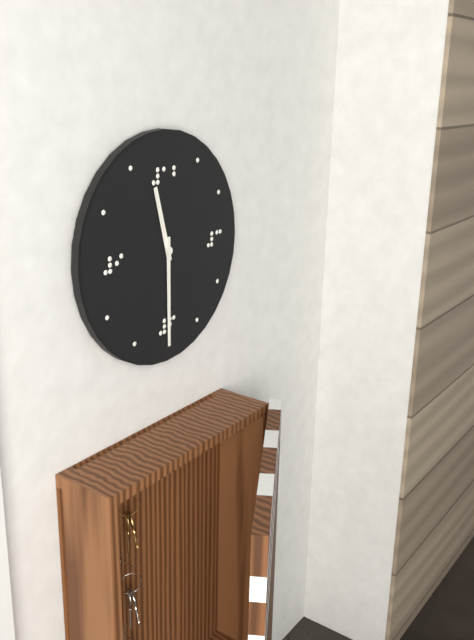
h=11 m=30
